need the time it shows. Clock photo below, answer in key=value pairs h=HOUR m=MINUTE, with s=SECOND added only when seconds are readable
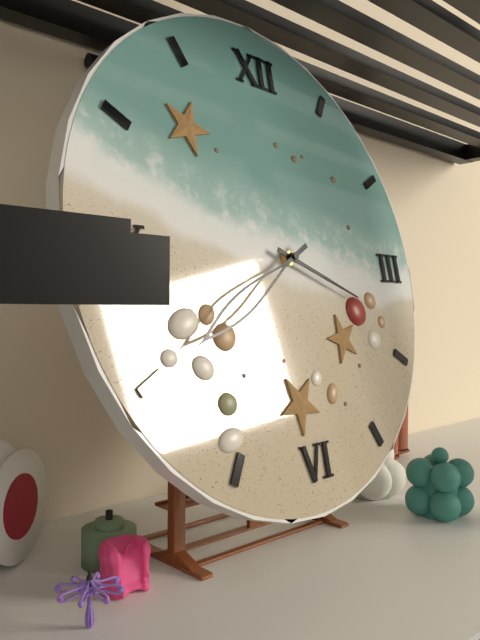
h=3 m=40
